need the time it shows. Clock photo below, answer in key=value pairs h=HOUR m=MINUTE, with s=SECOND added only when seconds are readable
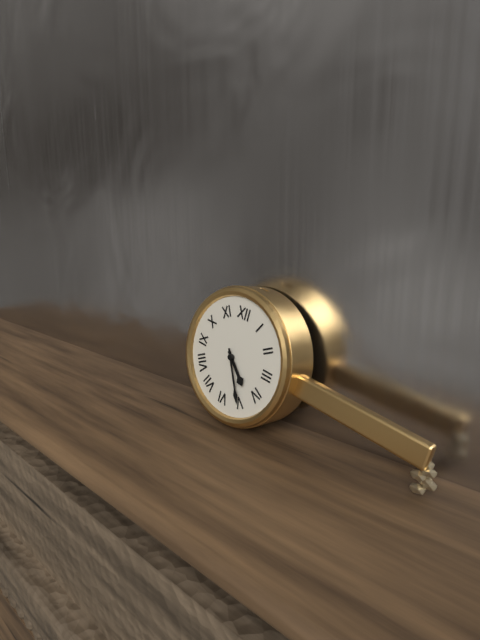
h=4 m=25
